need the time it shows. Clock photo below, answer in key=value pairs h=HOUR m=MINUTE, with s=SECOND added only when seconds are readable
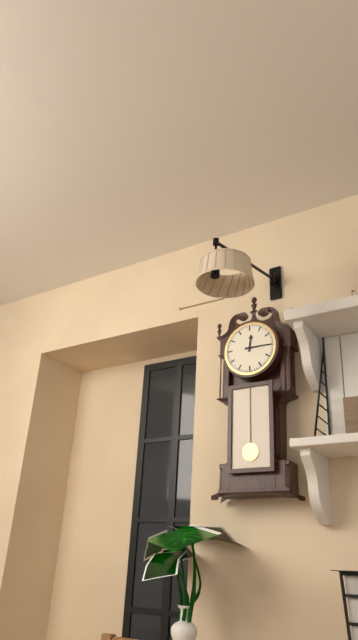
h=12 m=15
